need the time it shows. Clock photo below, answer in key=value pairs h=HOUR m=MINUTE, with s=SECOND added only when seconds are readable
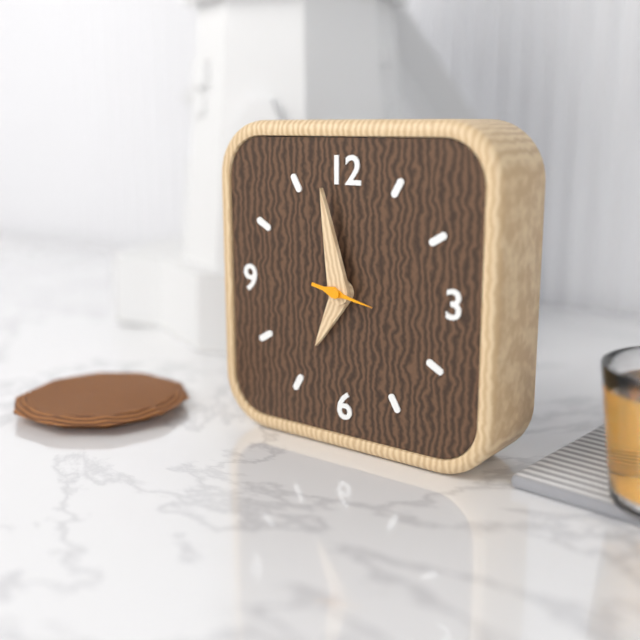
h=6 m=58
